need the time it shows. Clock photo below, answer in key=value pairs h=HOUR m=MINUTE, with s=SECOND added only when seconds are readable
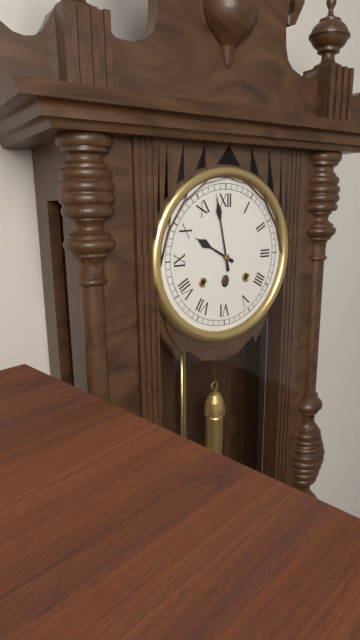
h=9 m=58
